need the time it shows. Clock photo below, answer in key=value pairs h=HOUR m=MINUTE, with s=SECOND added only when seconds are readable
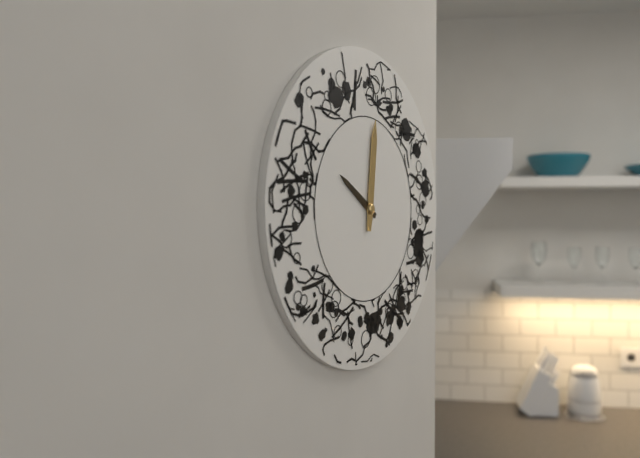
h=10 m=1
